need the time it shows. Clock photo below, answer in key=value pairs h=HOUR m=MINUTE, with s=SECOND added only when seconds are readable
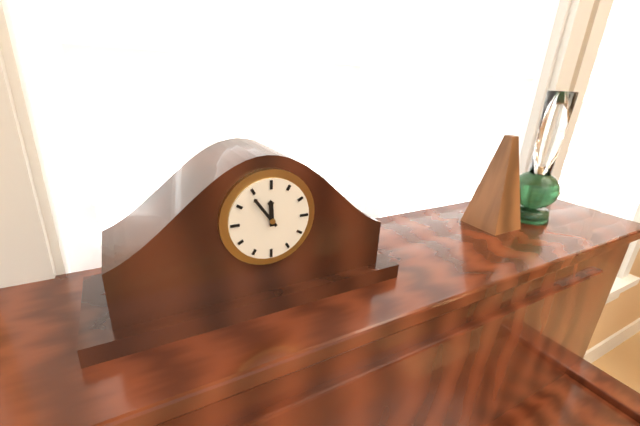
h=11 m=54
